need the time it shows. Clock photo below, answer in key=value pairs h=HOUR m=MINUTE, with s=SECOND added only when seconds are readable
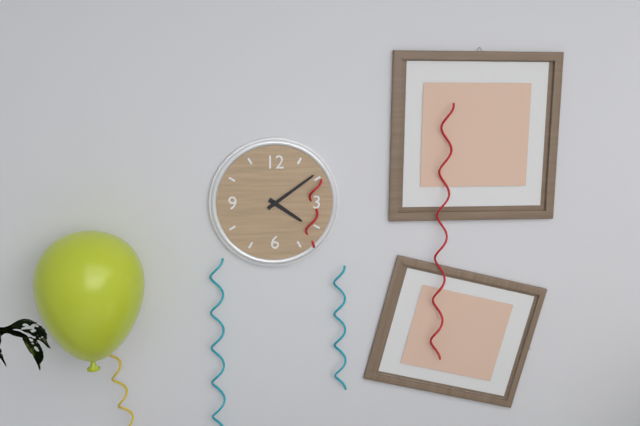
h=4 m=9
